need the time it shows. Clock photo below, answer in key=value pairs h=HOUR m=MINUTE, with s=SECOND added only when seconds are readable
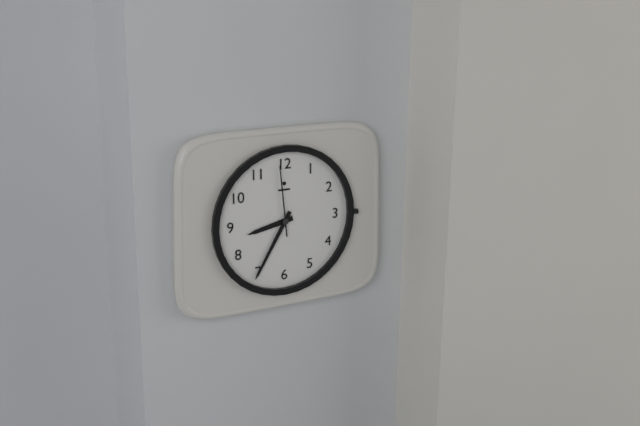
h=8 m=35 s=59
